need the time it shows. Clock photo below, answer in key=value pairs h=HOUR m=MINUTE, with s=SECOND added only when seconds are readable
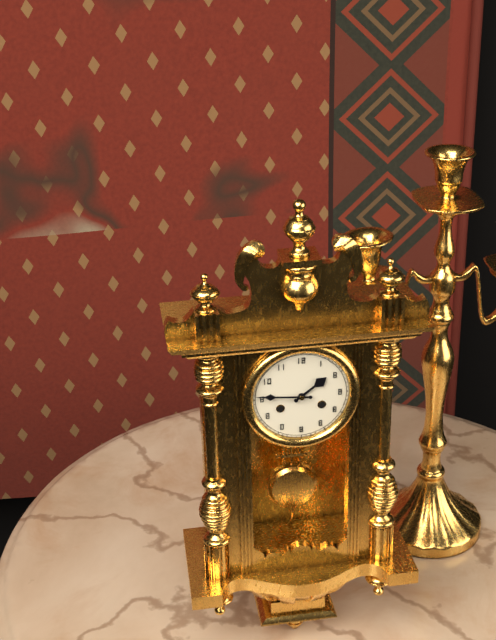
h=1 m=46
